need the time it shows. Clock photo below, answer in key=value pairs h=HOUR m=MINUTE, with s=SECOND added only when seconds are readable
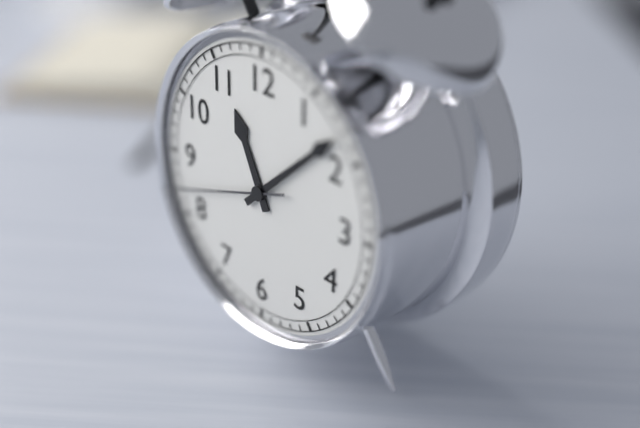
h=11 m=8 s=42
